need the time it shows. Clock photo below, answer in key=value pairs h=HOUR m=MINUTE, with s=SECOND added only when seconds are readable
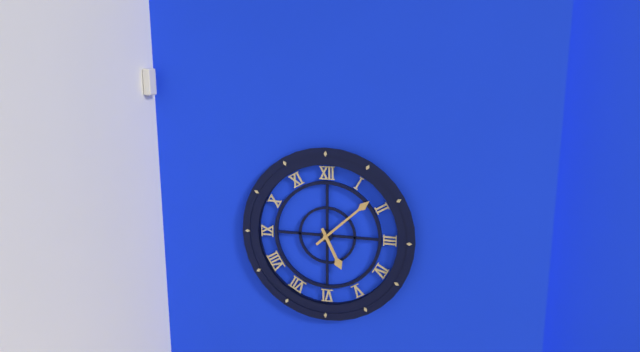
h=5 m=8
